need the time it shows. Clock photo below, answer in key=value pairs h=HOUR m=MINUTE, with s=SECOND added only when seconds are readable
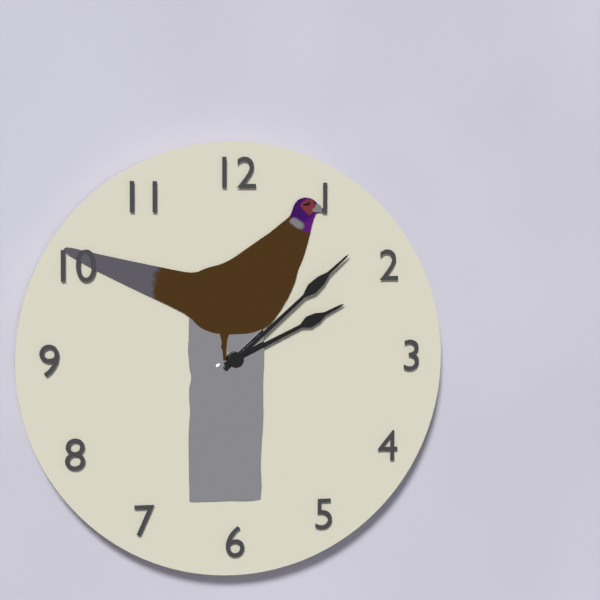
h=2 m=8
